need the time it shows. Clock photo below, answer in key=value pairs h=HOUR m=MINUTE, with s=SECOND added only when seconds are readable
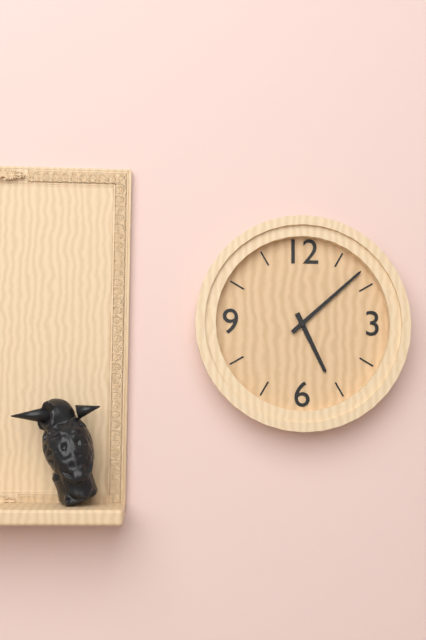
h=5 m=8
